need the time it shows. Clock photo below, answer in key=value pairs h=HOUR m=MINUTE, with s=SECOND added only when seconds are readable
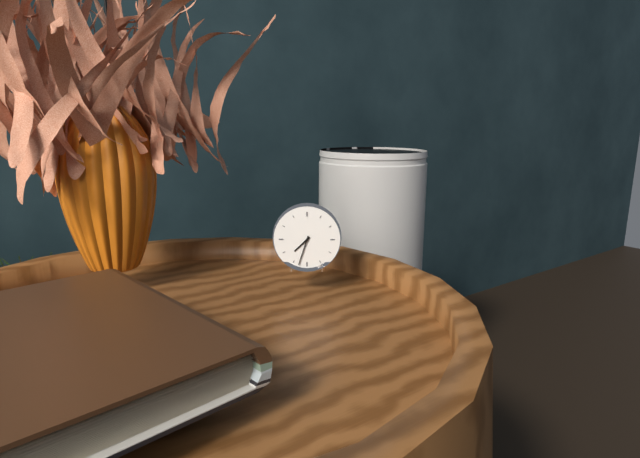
h=7 m=33
